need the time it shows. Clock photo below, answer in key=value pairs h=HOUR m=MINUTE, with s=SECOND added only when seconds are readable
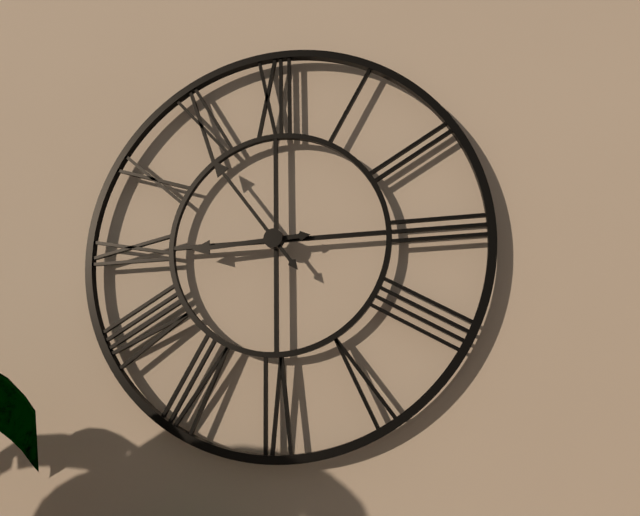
h=8 m=54
